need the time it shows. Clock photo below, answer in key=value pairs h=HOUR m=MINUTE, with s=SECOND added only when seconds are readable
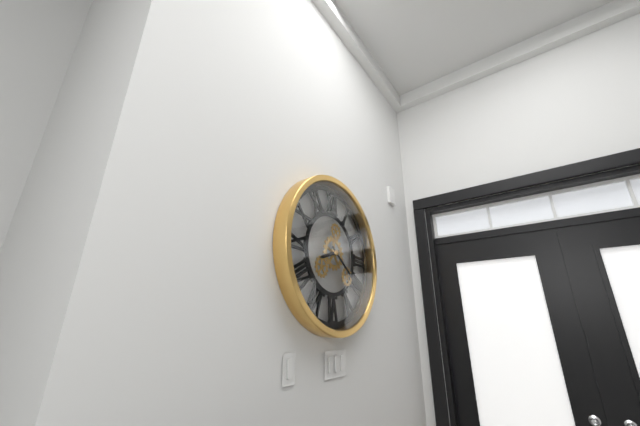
h=8 m=21
